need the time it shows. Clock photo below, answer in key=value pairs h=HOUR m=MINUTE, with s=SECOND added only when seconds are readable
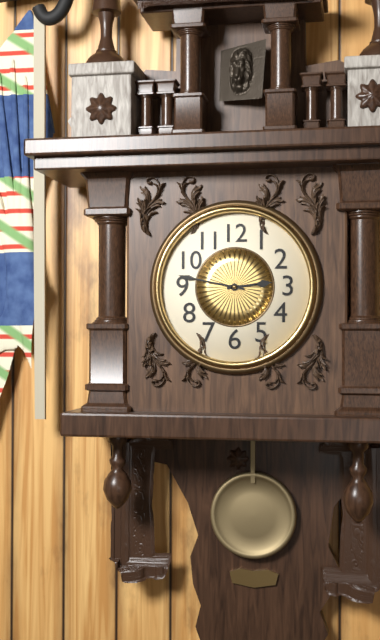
h=2 m=47
